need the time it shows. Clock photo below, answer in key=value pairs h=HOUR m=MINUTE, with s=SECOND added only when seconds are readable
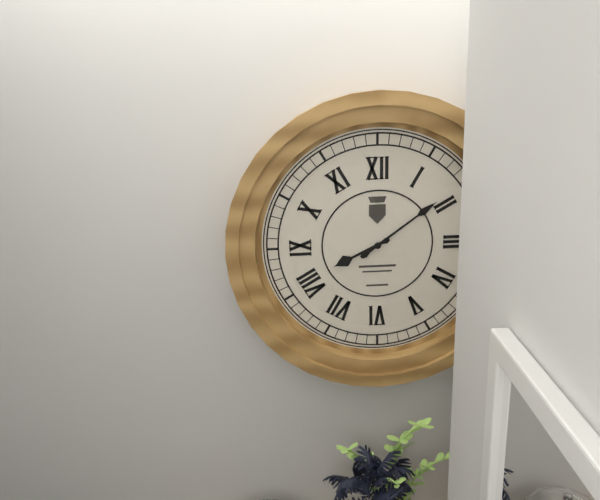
h=8 m=9
